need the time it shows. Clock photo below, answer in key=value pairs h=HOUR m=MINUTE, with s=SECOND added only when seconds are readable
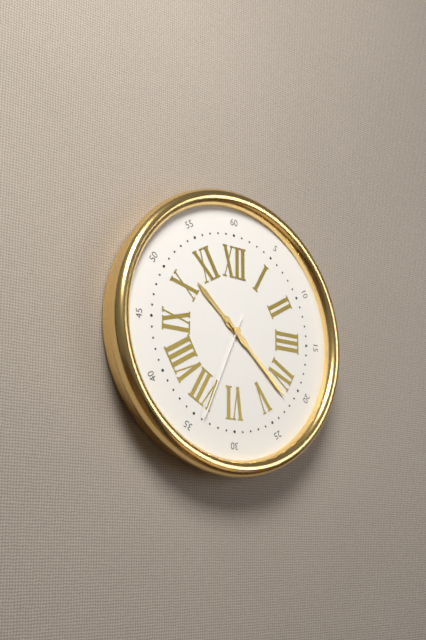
h=10 m=22 s=34
